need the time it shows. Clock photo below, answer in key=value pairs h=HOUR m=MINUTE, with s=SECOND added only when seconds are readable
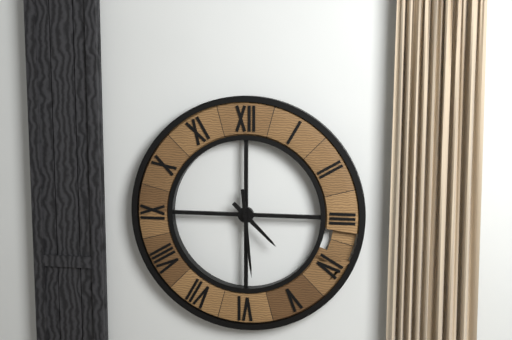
h=4 m=29
